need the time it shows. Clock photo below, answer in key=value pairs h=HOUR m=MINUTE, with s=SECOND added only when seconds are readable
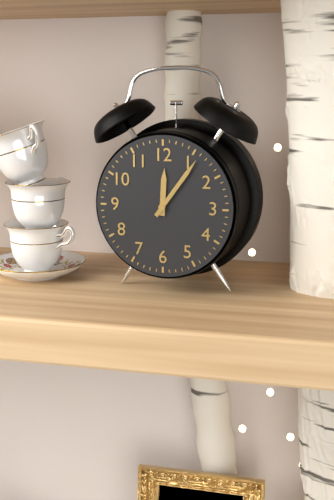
h=12 m=6
